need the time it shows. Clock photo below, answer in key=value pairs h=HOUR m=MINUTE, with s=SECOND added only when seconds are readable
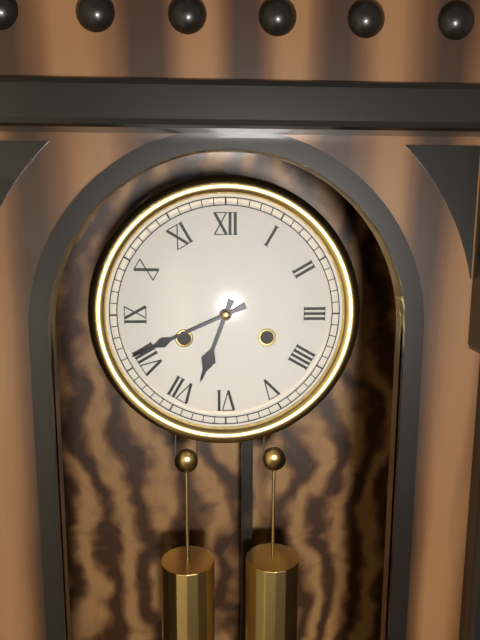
h=6 m=41
